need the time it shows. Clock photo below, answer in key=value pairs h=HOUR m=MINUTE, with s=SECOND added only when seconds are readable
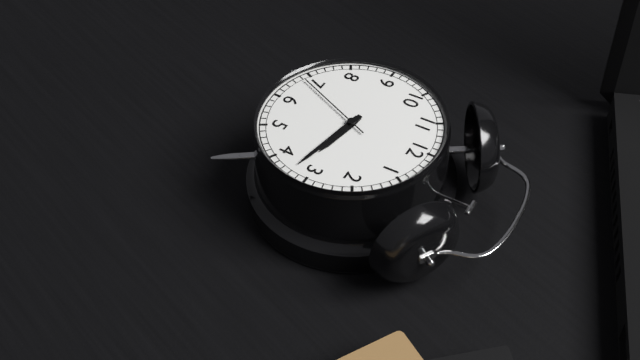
h=3 m=17 s=34
